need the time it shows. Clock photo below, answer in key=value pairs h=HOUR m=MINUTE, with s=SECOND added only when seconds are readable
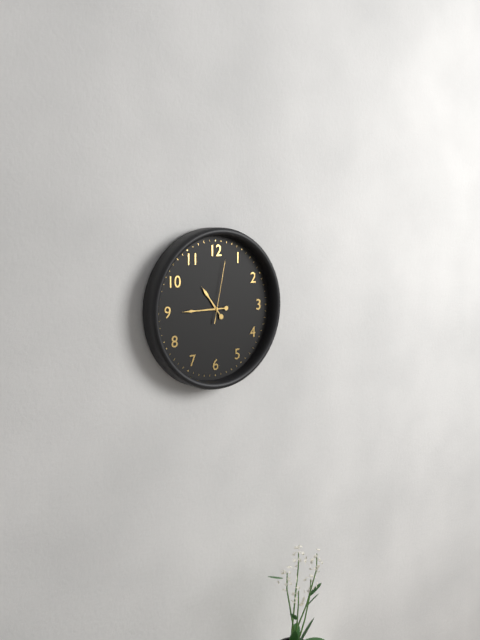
h=10 m=45 s=2
